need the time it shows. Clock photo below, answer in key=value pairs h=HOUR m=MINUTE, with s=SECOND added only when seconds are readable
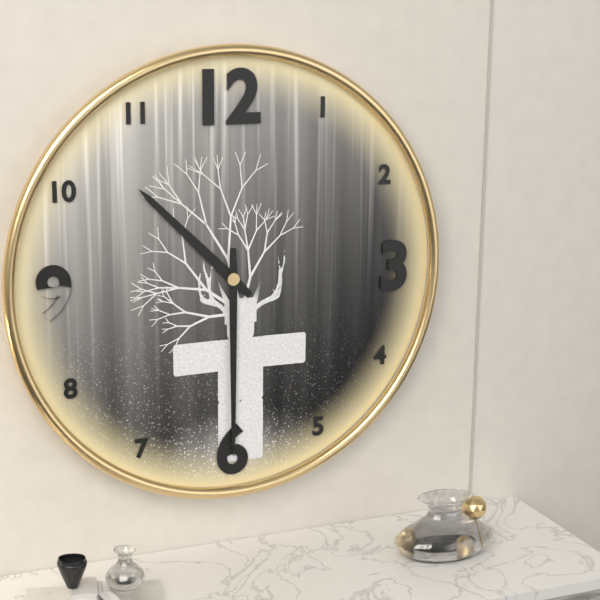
h=10 m=30
